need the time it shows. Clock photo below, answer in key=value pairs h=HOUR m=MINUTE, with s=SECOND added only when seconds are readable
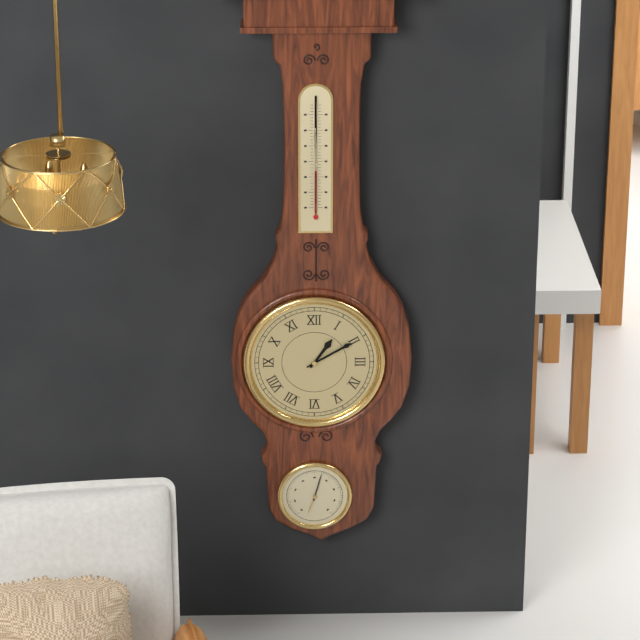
h=1 m=10
